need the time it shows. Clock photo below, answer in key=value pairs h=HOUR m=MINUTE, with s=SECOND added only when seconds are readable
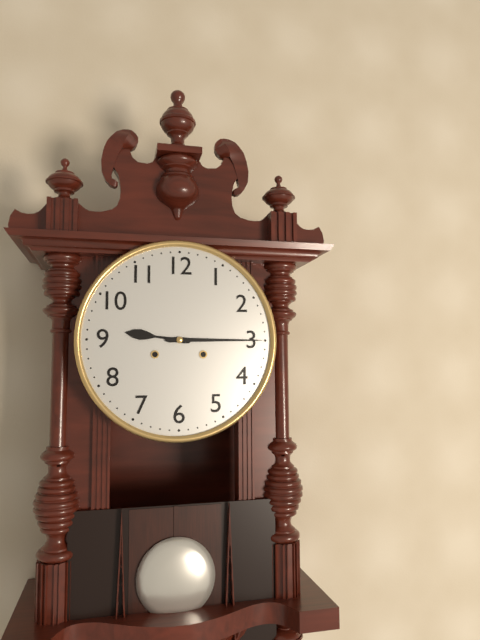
h=9 m=15
